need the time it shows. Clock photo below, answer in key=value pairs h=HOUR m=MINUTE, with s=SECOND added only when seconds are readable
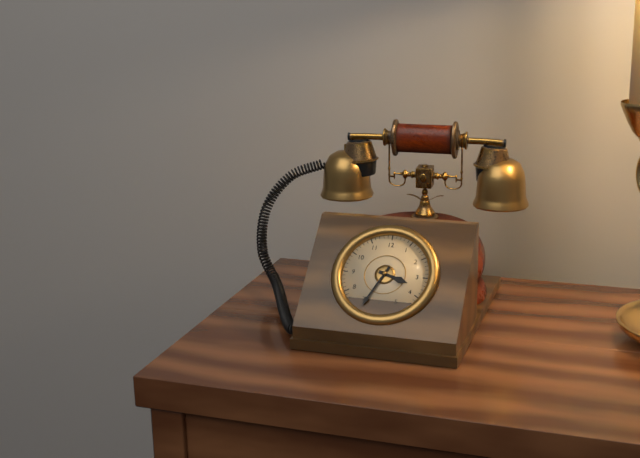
h=3 m=34
